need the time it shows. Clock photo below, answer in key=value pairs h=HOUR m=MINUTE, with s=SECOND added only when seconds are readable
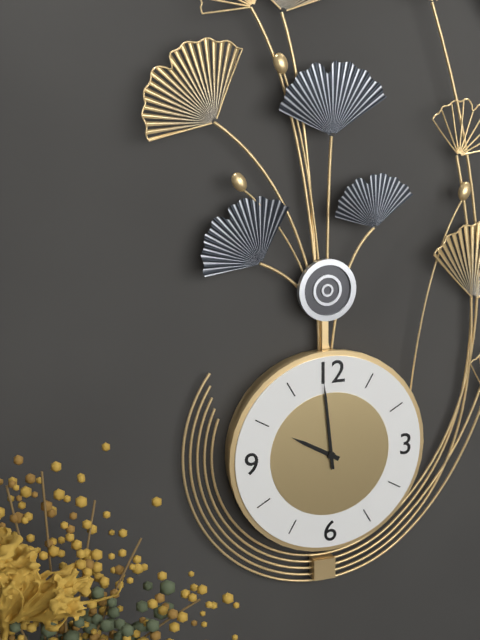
h=9 m=59
